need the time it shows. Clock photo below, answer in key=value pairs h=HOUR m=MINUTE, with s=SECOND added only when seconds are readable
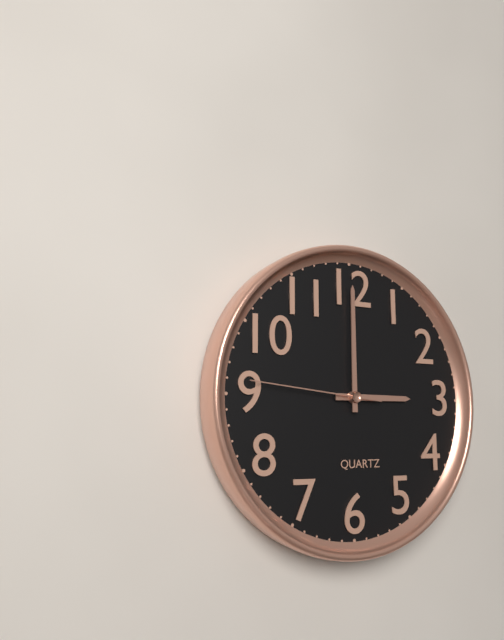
h=3 m=0 s=46
